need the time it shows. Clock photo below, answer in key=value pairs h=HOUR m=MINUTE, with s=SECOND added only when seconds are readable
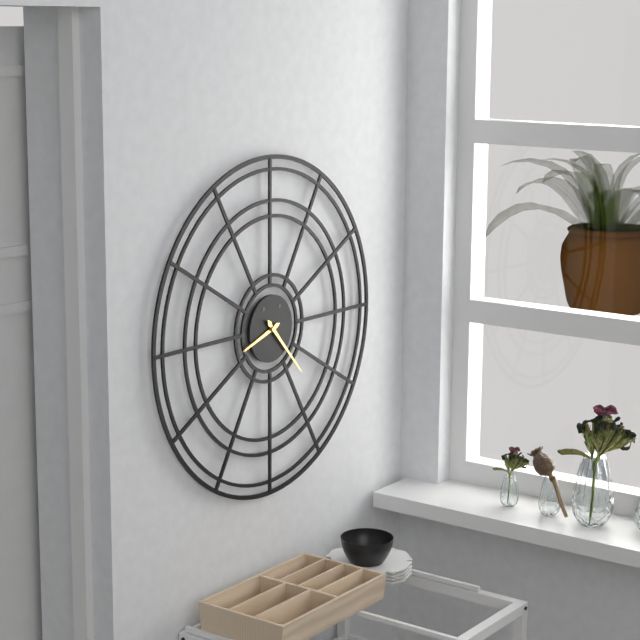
h=8 m=23
